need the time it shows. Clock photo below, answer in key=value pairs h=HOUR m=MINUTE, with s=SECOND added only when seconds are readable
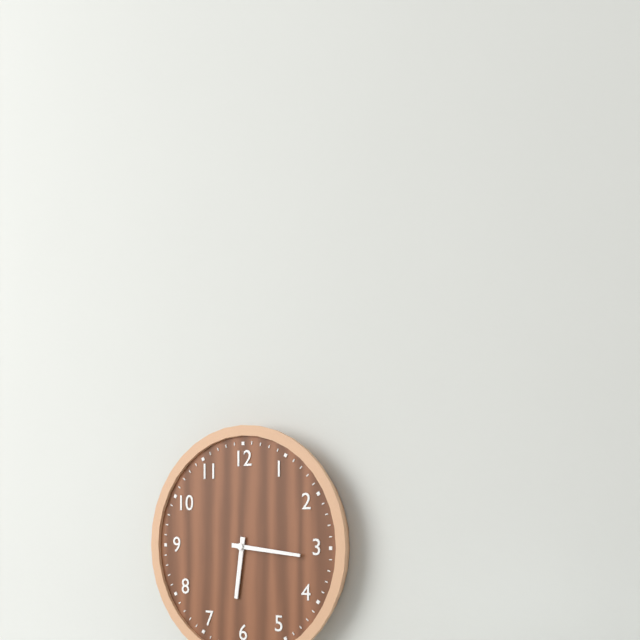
h=6 m=16
